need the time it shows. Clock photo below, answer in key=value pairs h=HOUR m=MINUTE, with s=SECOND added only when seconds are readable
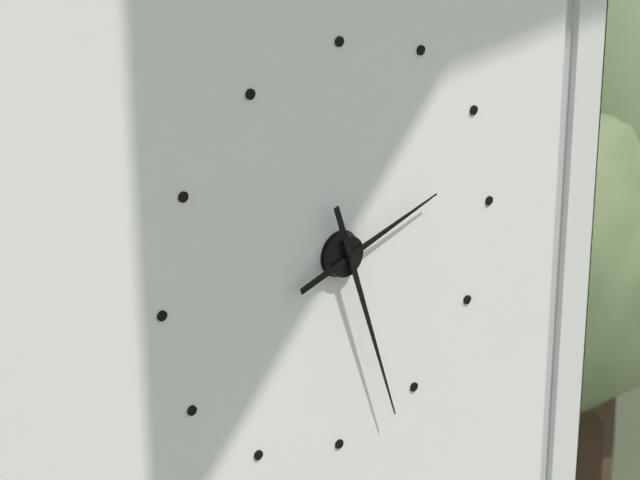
h=2 m=27
